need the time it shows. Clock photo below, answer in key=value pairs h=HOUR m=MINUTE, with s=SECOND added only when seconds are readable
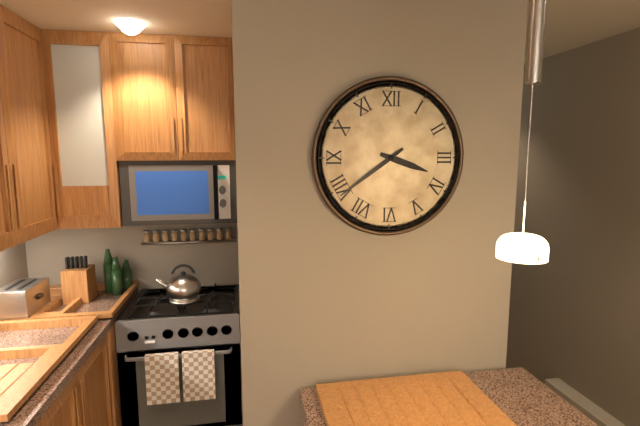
h=3 m=39
